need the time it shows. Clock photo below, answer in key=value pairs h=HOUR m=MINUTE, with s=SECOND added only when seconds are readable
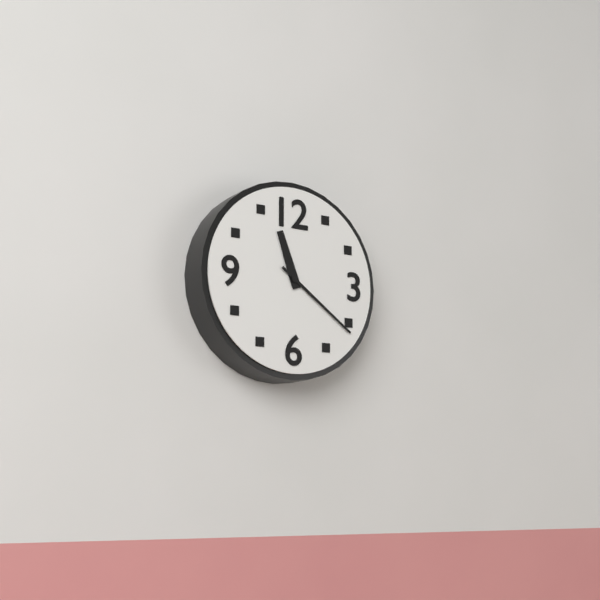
h=11 m=21
